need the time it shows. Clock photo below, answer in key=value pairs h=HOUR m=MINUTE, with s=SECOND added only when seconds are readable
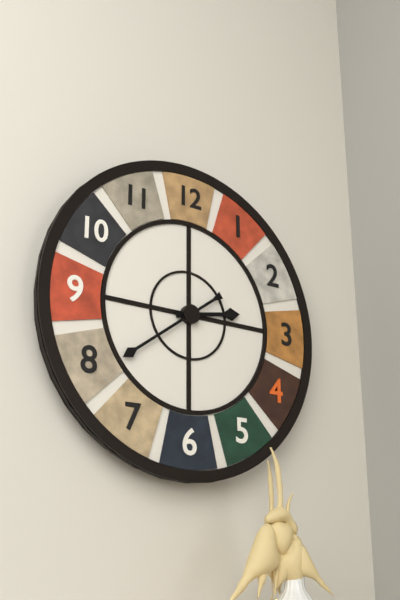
h=2 m=39
